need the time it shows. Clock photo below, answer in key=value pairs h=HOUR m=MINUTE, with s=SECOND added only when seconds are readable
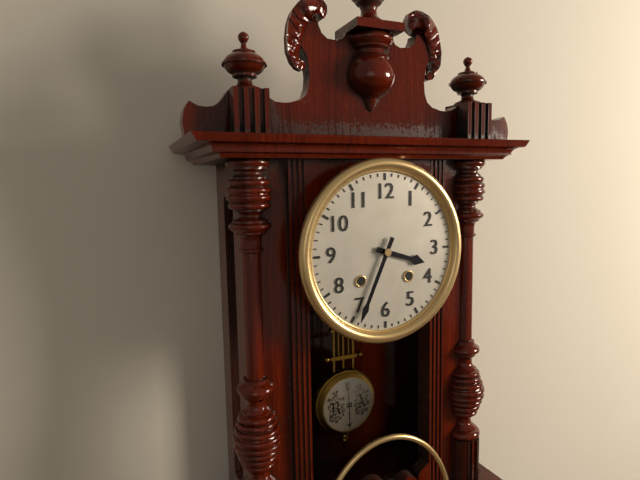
h=3 m=34
